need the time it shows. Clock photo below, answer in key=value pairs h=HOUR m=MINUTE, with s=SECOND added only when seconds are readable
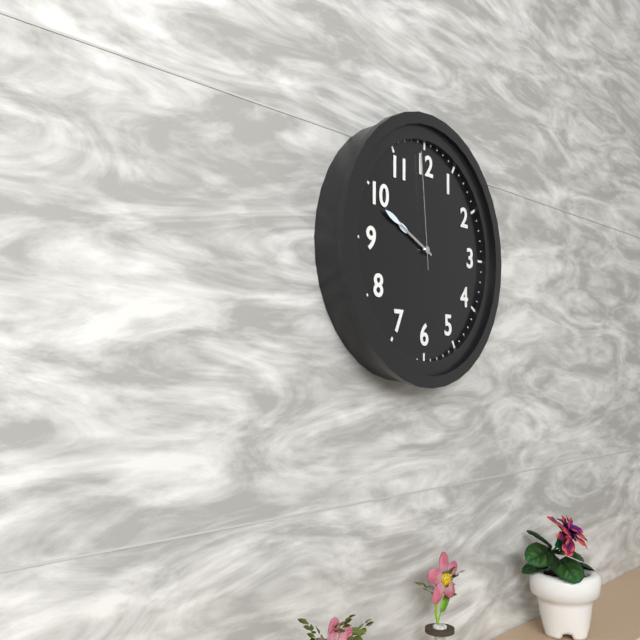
h=9 m=49 s=59
